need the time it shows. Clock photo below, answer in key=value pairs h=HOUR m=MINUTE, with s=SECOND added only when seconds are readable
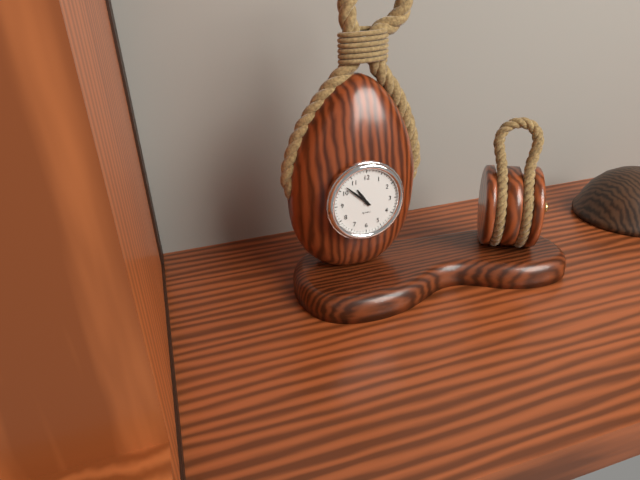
h=10 m=52
